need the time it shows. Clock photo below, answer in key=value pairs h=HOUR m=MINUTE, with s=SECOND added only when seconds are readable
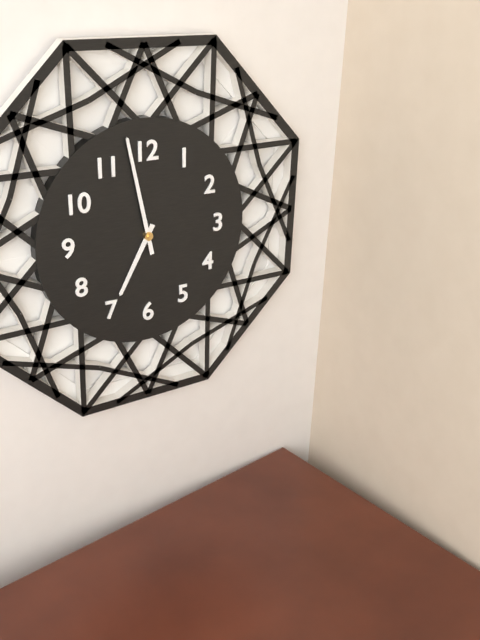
h=6 m=58
